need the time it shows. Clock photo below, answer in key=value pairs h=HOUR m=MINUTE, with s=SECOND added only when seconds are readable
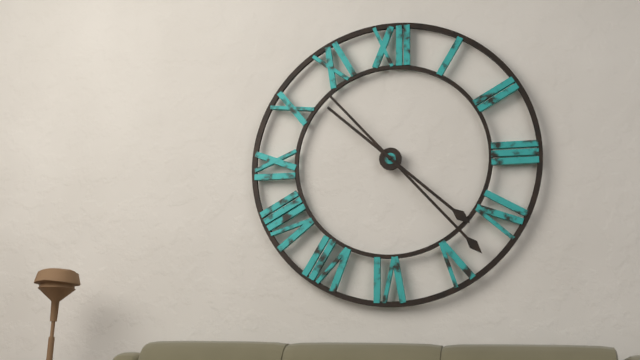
h=4 m=23
